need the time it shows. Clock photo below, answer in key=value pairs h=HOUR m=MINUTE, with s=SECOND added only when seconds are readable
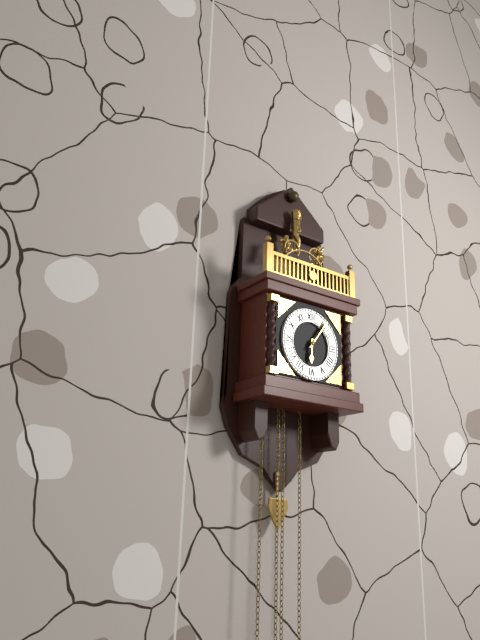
h=6 m=6
